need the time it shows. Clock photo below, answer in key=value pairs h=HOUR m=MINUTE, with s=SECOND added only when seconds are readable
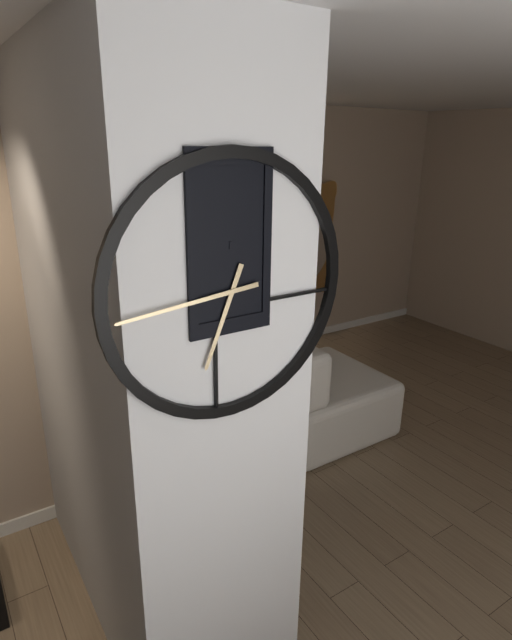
h=6 m=44
